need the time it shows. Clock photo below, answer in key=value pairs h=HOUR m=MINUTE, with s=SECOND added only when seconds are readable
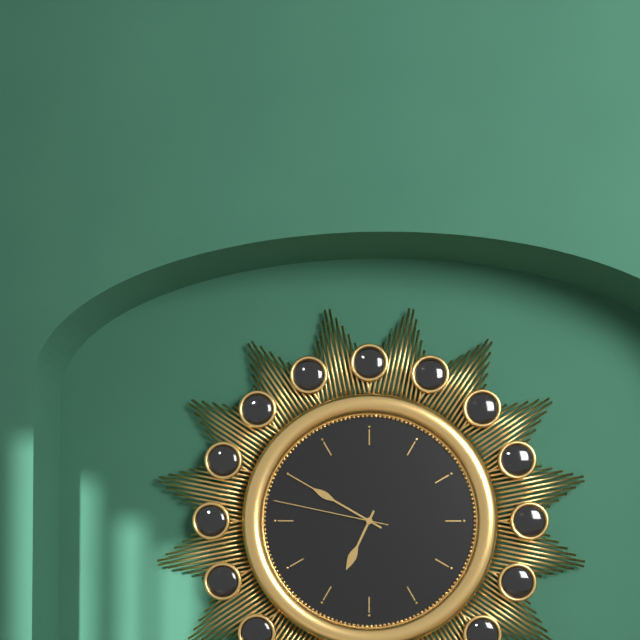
h=6 m=50 s=47
